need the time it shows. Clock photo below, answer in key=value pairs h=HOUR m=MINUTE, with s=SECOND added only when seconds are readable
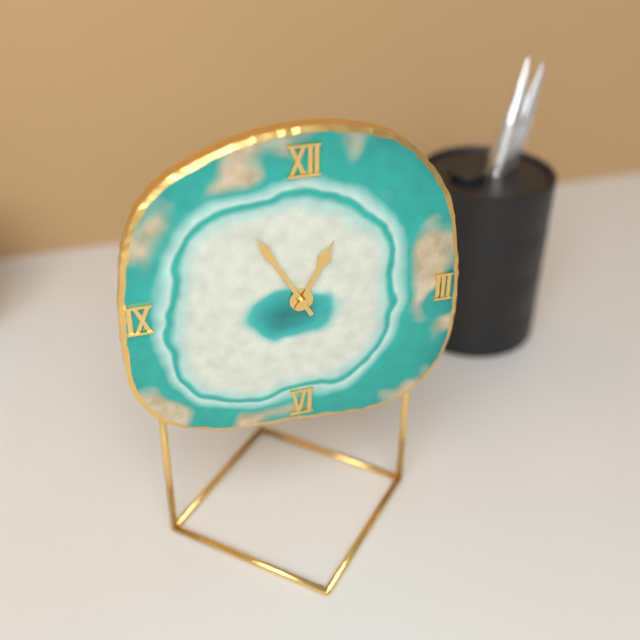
h=12 m=55
